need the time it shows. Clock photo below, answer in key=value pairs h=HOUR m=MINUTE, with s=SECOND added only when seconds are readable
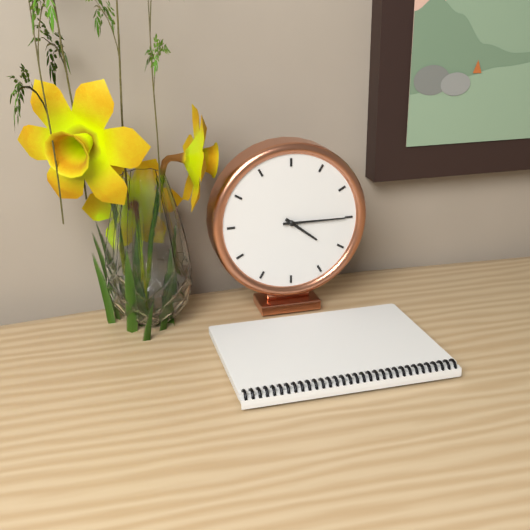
h=4 m=15
